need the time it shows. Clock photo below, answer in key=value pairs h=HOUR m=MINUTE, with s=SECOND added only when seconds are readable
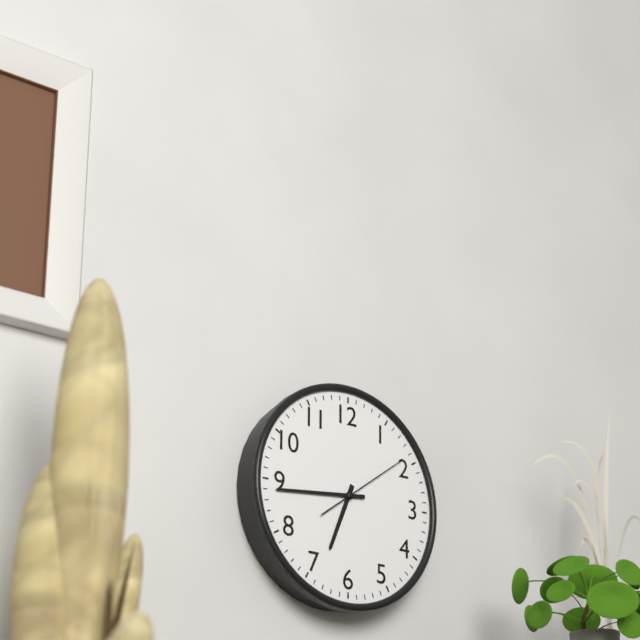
h=6 m=44 s=9
